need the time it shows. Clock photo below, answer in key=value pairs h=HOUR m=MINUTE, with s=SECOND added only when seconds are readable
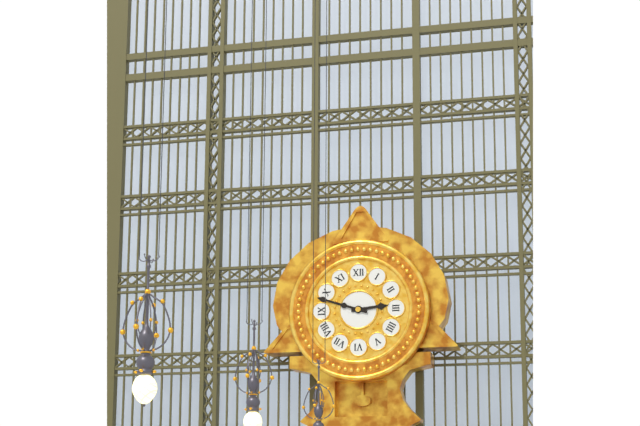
h=2 m=48
